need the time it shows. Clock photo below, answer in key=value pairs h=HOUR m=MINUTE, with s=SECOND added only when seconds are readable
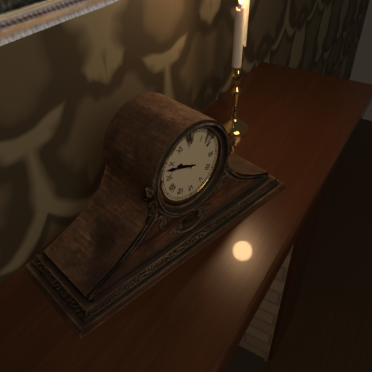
h=9 m=48
